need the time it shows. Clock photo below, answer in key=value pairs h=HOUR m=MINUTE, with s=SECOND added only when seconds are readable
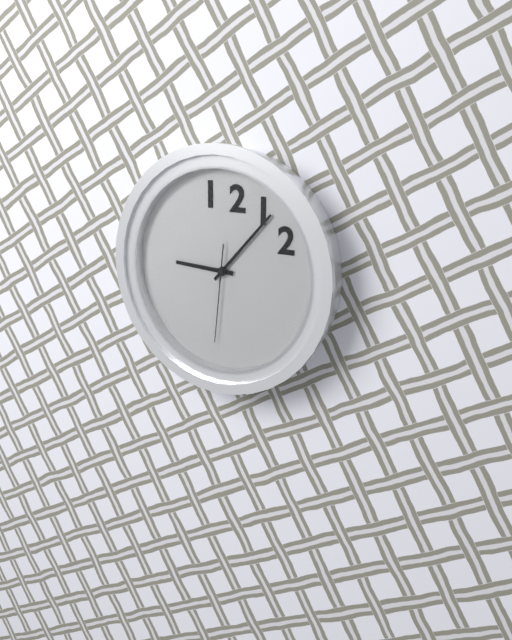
h=9 m=7 s=31
